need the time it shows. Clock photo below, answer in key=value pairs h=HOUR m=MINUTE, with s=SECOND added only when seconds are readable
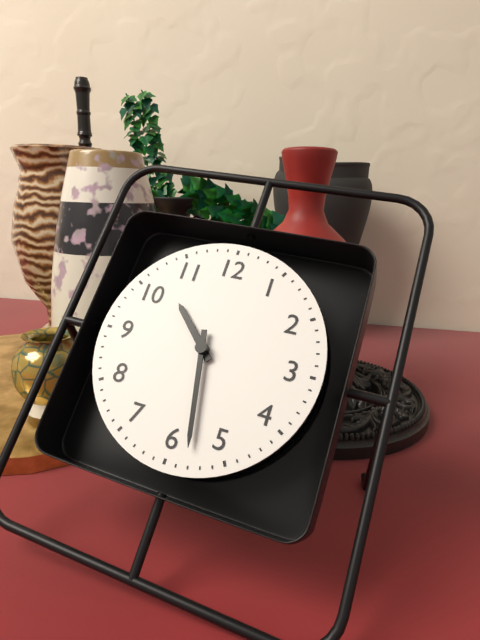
h=10 m=28
